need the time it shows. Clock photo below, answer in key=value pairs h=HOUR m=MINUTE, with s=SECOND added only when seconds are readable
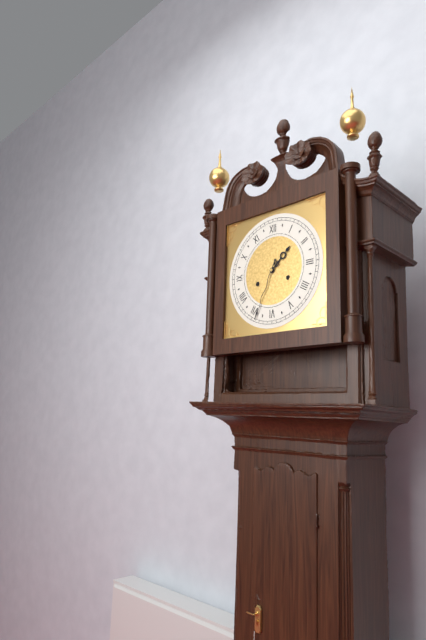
h=1 m=34
